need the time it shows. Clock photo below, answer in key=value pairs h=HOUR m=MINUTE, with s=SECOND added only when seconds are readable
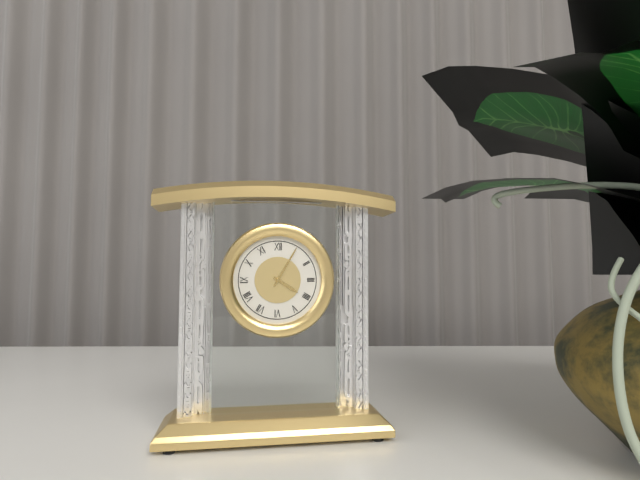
h=4 m=5
